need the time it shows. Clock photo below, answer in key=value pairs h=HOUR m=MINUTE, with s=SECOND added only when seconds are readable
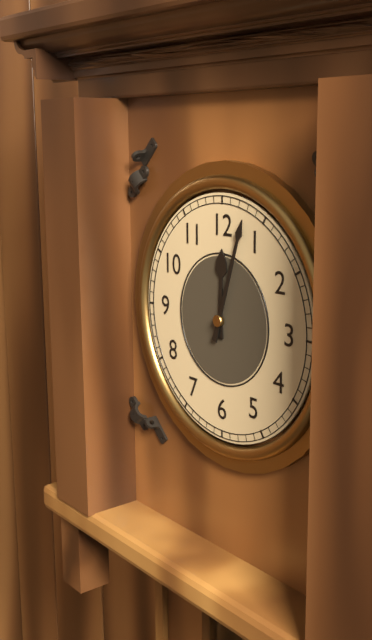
h=12 m=3
